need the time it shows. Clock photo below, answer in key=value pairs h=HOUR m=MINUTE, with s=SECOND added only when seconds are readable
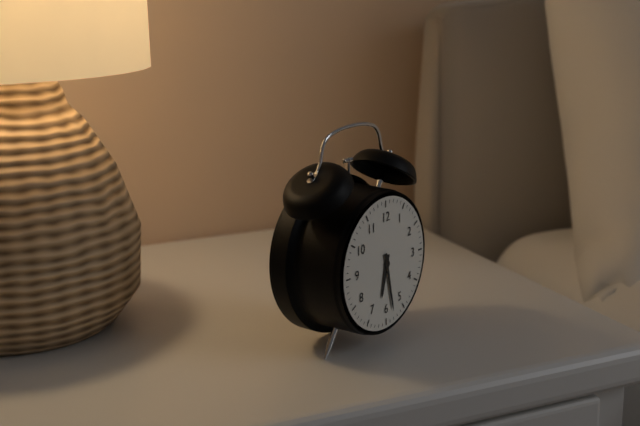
h=6 m=28
